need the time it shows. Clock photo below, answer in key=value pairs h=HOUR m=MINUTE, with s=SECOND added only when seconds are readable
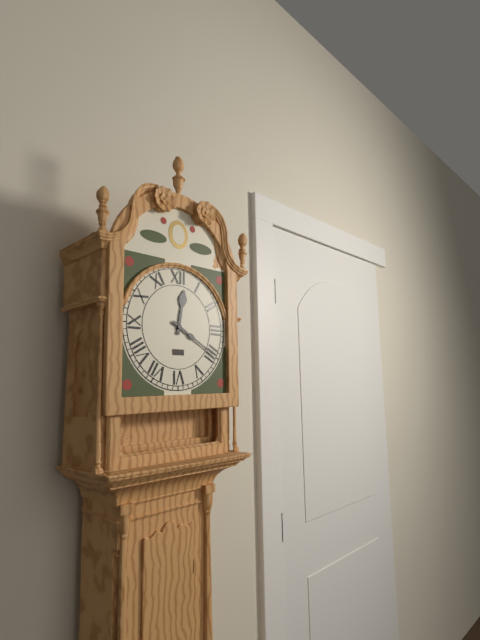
h=12 m=20
